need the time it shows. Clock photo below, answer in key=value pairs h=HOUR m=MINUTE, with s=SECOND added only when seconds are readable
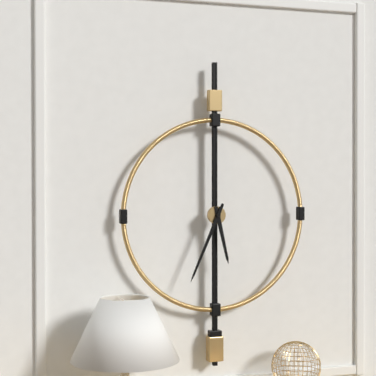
h=5 m=34
